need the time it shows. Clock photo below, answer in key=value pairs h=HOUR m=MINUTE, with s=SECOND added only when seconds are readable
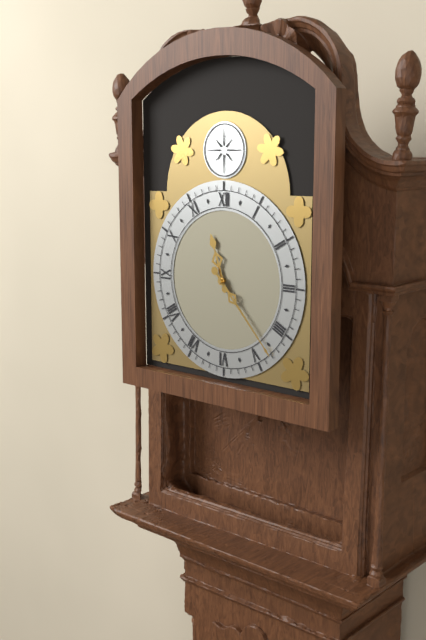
h=11 m=23
